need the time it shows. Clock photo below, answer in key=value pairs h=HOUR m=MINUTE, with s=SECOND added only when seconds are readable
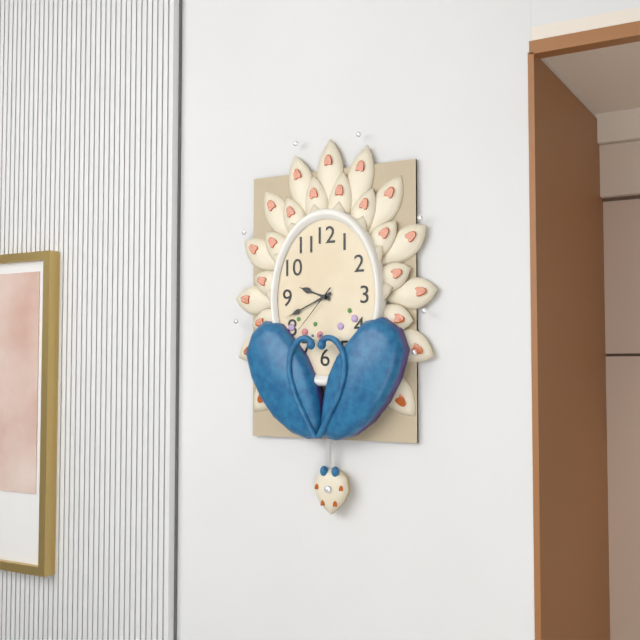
h=9 m=41 s=37
